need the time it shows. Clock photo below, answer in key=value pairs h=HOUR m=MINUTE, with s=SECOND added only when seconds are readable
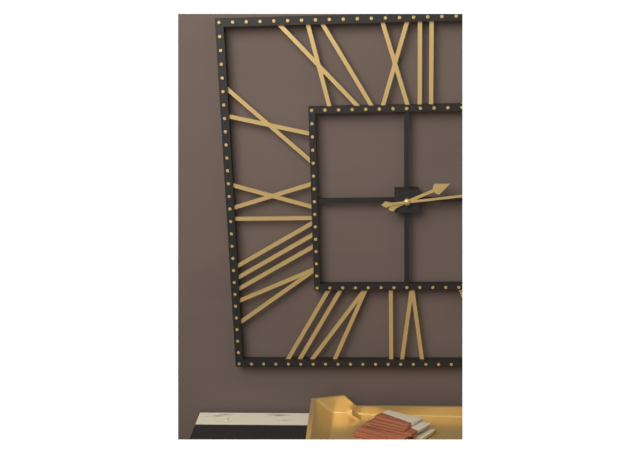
h=2 m=14
